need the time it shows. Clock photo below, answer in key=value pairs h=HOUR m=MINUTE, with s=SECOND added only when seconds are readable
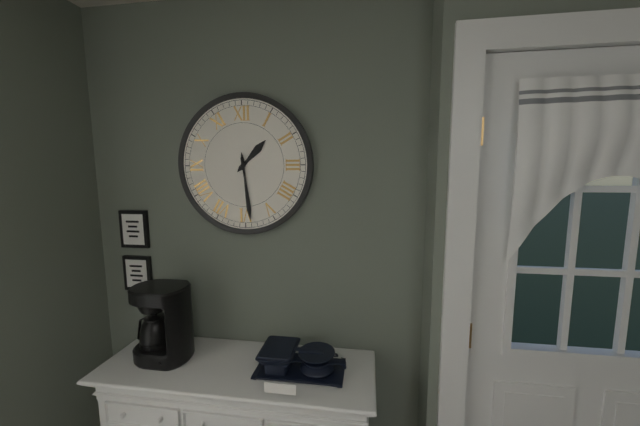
h=1 m=29
